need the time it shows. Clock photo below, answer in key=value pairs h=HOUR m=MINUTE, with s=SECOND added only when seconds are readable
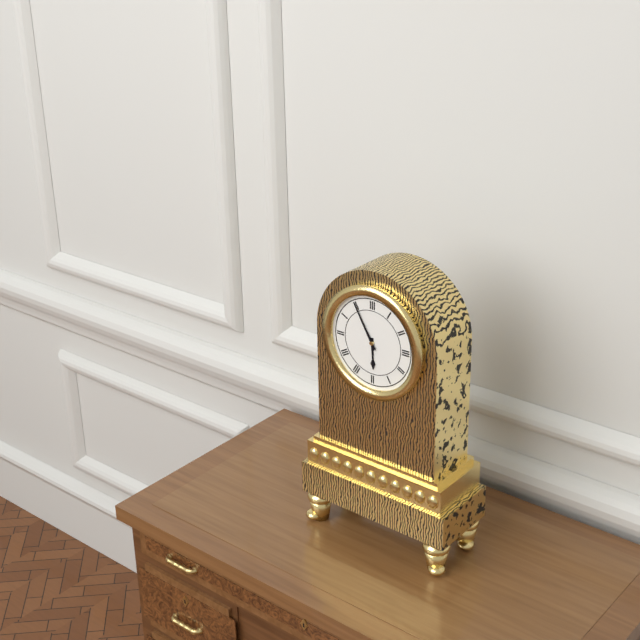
h=5 m=55
